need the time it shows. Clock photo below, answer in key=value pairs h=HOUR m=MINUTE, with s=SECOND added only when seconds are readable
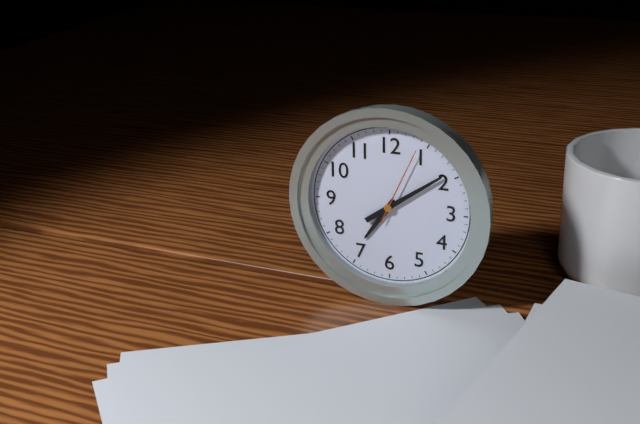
h=7 m=9 s=4
